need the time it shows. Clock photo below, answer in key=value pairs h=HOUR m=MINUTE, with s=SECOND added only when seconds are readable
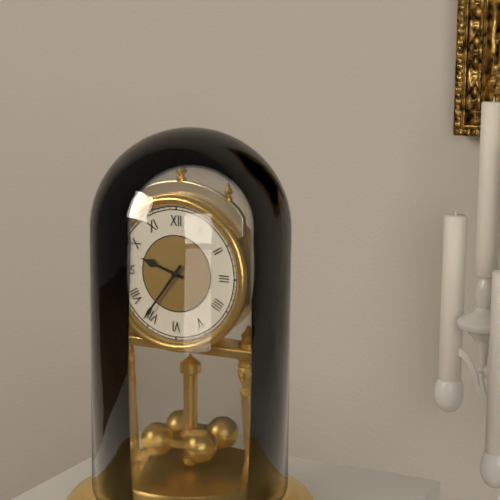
h=9 m=36
